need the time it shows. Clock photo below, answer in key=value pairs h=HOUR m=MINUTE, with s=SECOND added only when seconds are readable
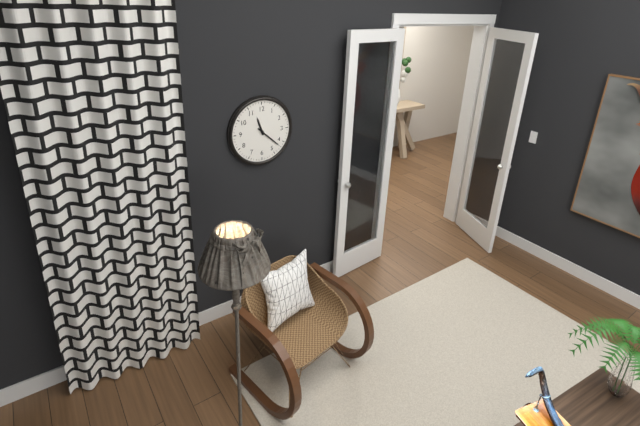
h=11 m=22
